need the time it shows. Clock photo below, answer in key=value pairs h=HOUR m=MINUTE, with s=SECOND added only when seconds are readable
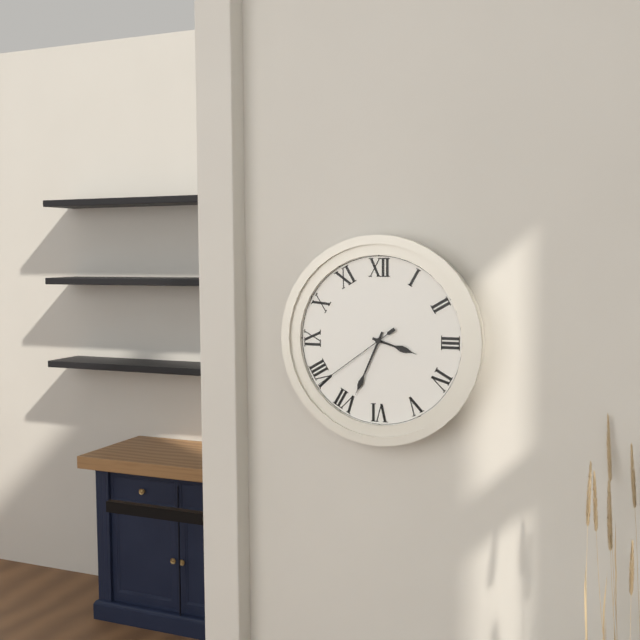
h=3 m=34 s=39
